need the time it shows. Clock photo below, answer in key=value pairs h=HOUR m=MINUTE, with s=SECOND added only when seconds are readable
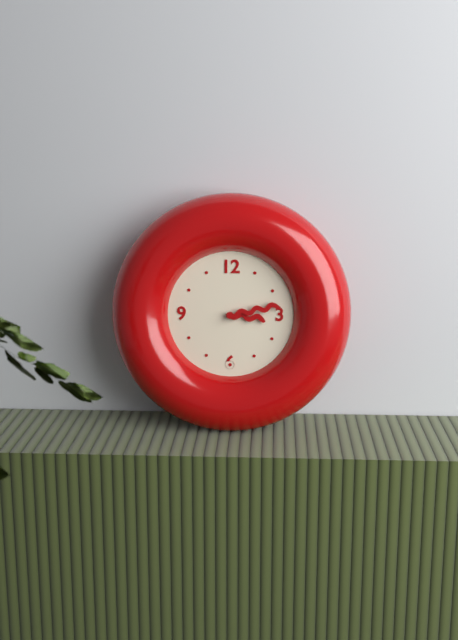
h=3 m=13
